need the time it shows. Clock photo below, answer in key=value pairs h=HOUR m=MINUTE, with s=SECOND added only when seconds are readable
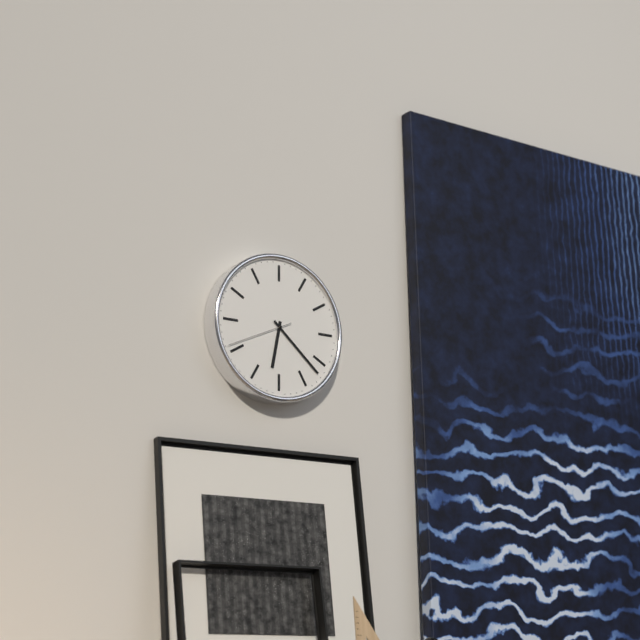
h=6 m=22 s=41
